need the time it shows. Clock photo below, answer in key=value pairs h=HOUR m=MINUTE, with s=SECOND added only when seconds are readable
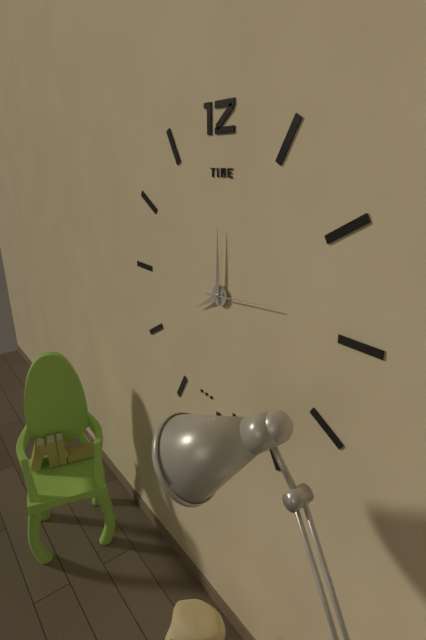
h=8 m=0 s=14
